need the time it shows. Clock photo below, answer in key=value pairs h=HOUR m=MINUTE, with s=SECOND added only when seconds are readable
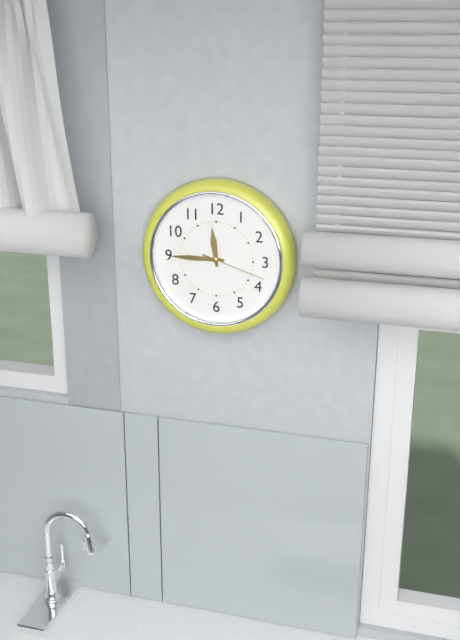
h=11 m=45 s=18
